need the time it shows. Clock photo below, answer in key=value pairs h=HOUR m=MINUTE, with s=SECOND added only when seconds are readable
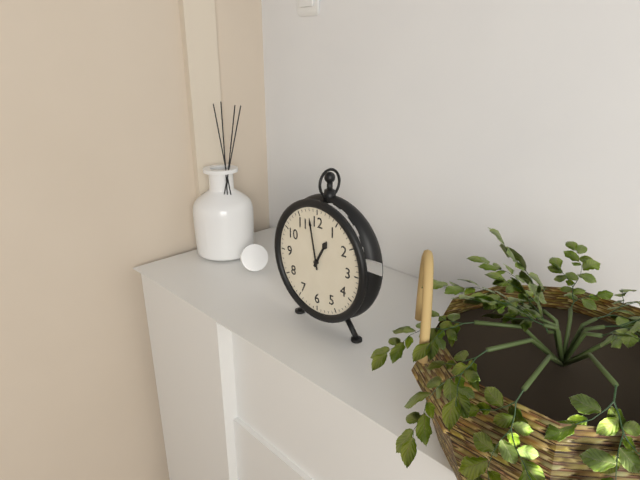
h=12 m=58
